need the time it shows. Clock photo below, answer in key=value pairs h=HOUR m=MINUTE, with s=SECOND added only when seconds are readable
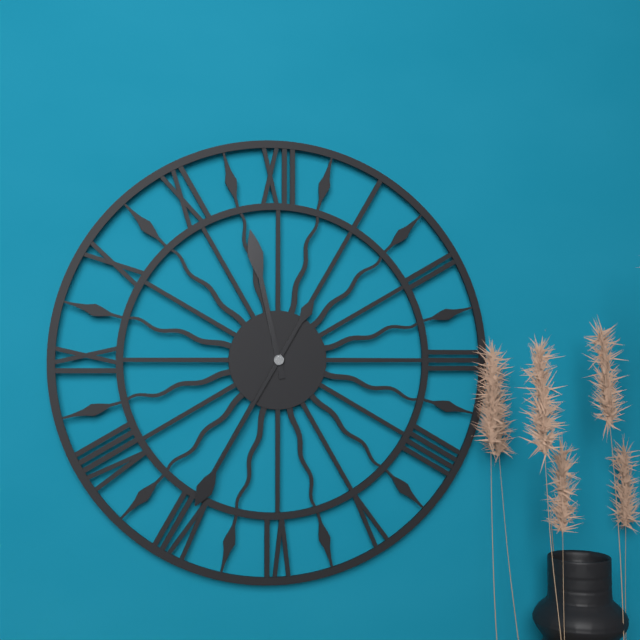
h=11 m=35
